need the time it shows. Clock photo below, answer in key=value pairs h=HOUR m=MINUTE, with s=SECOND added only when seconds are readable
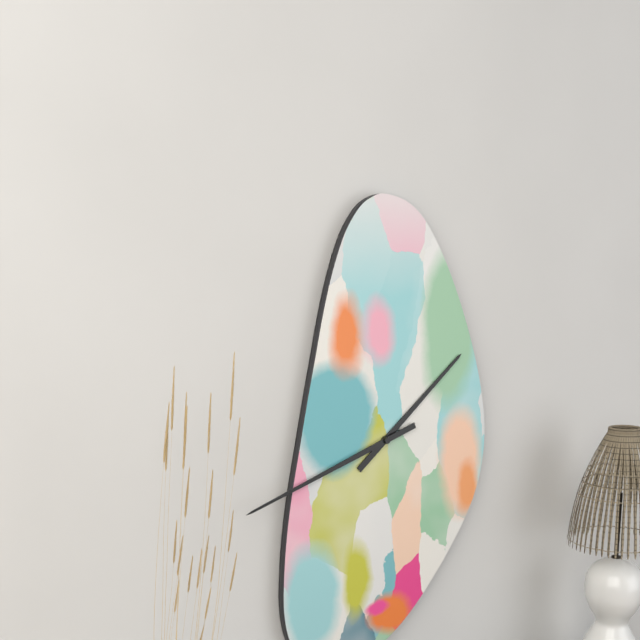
h=1 m=42
